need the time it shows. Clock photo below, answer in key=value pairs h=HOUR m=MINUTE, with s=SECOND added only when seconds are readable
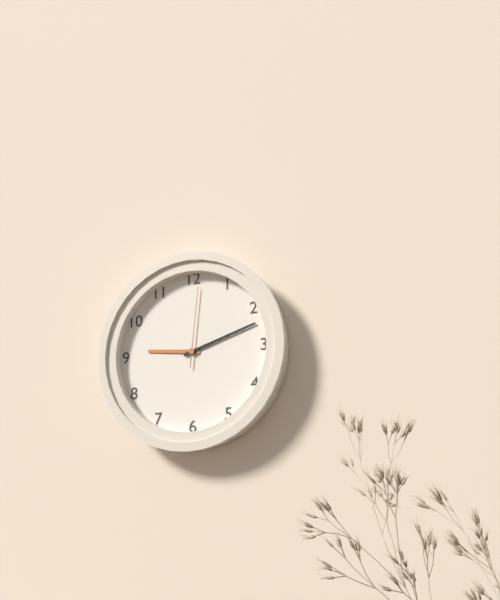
h=9 m=12 s=1
